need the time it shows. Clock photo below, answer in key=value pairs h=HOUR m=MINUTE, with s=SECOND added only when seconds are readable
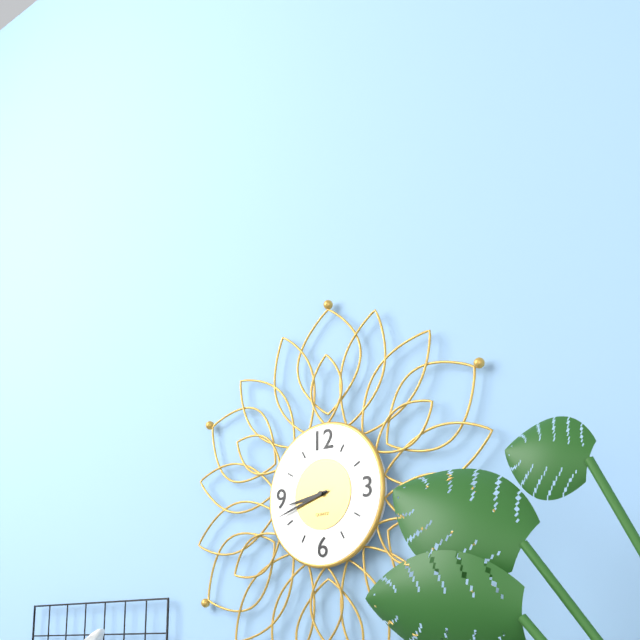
h=8 m=42
